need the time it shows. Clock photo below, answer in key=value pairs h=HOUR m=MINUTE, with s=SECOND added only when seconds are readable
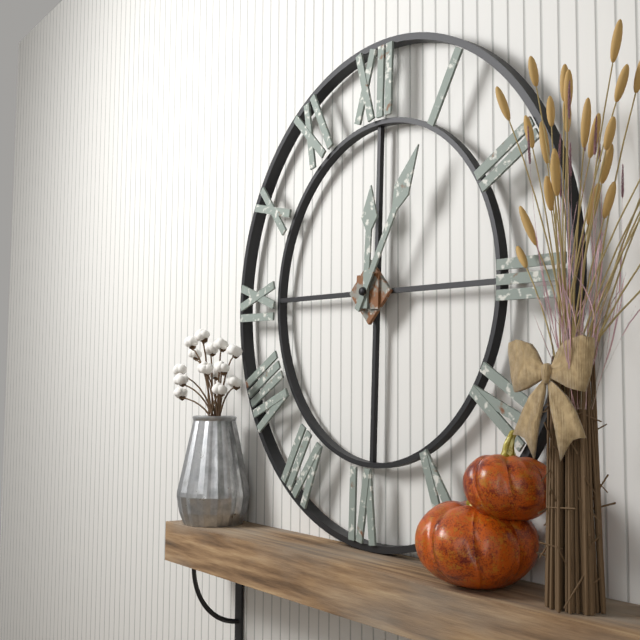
h=12 m=5
